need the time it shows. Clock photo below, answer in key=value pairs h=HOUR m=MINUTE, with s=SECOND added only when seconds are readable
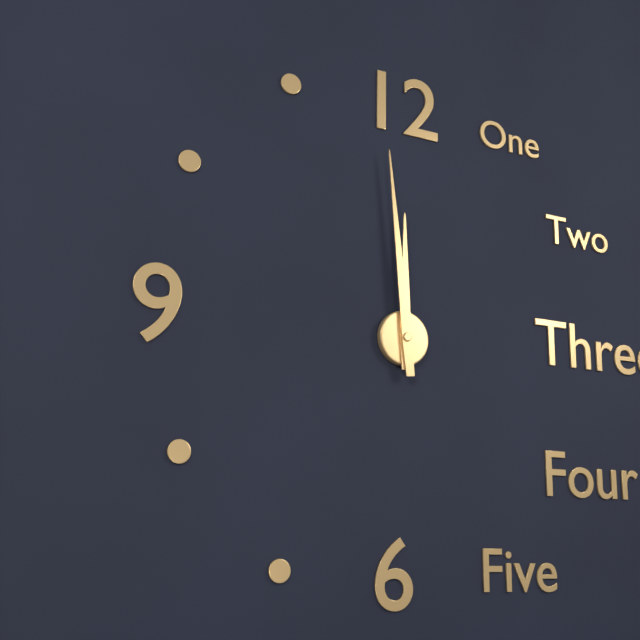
h=11 m=59
